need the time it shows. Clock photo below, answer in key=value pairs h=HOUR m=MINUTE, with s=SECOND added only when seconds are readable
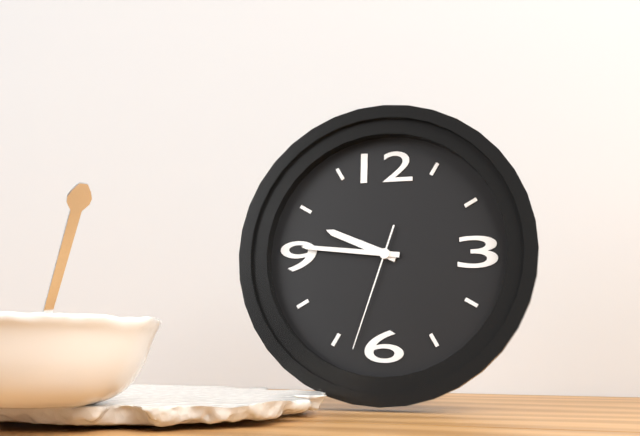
h=9 m=46 s=33
